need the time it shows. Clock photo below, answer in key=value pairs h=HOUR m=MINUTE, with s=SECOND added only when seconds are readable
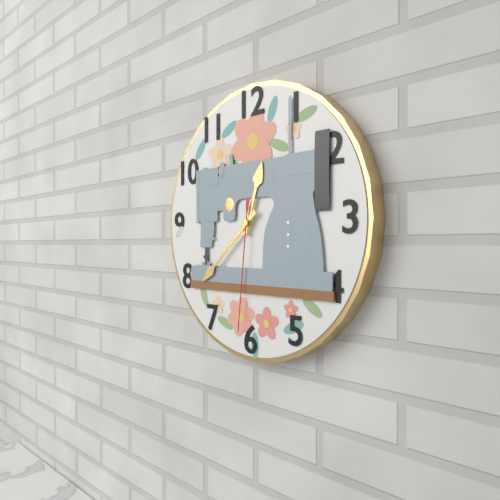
h=12 m=38 s=31
